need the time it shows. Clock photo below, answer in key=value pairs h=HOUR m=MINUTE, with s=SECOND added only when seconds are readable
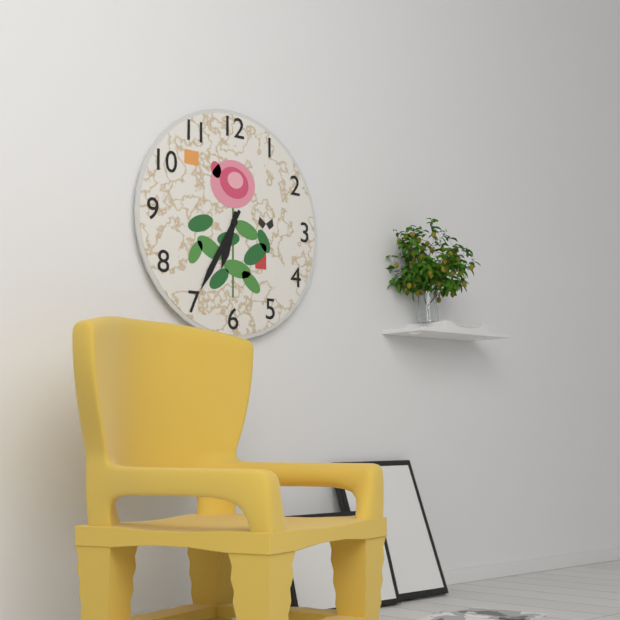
h=6 m=35
